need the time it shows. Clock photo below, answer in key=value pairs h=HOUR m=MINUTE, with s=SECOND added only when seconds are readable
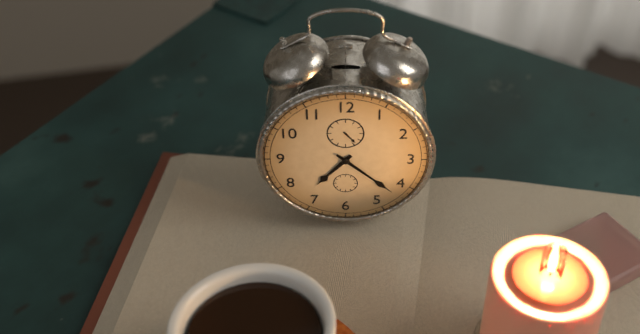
h=7 m=22
